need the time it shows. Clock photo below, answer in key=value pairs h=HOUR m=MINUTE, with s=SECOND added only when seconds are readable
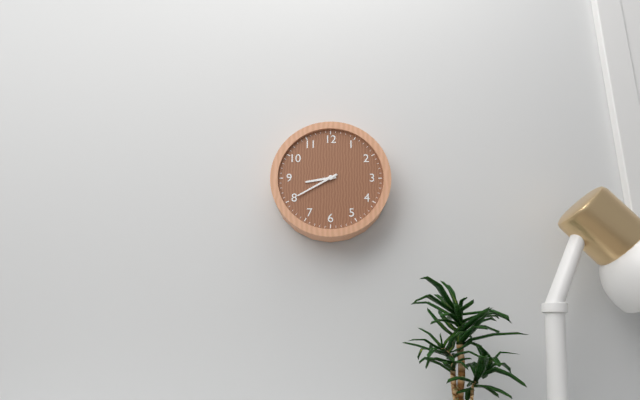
h=8 m=40
